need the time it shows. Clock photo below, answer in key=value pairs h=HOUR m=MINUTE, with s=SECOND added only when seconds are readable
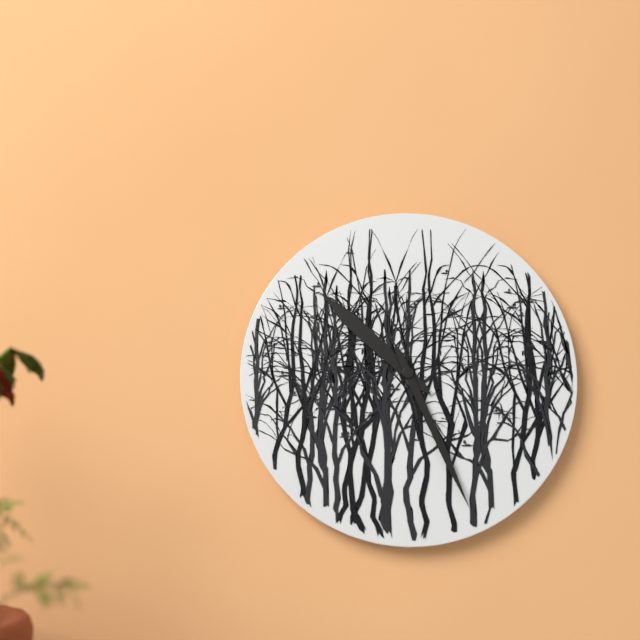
h=10 m=26
